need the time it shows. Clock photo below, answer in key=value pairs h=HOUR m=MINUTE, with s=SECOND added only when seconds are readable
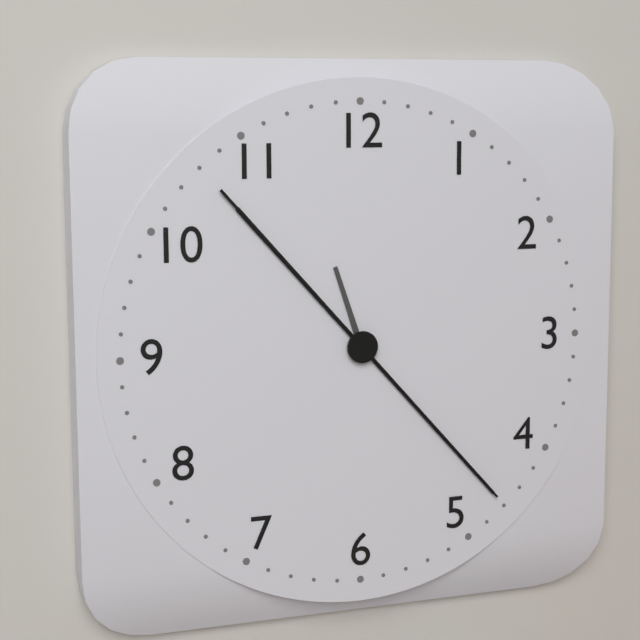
h=11 m=23 s=23
